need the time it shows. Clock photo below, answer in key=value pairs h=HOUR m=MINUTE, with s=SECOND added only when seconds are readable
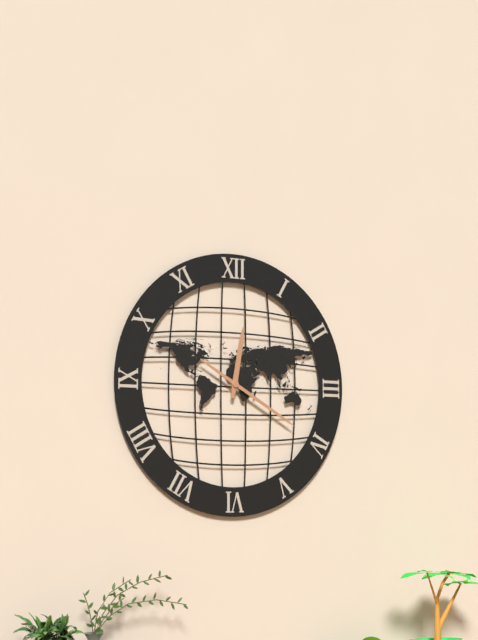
h=12 m=20
